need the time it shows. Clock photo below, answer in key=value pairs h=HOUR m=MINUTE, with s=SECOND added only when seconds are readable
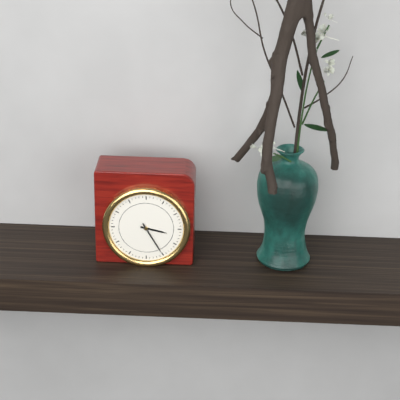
h=3 m=25
